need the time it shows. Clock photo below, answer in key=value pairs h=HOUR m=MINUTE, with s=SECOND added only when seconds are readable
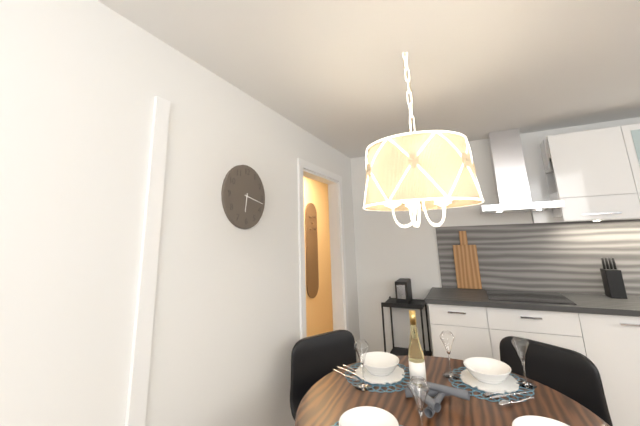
h=6 m=17
